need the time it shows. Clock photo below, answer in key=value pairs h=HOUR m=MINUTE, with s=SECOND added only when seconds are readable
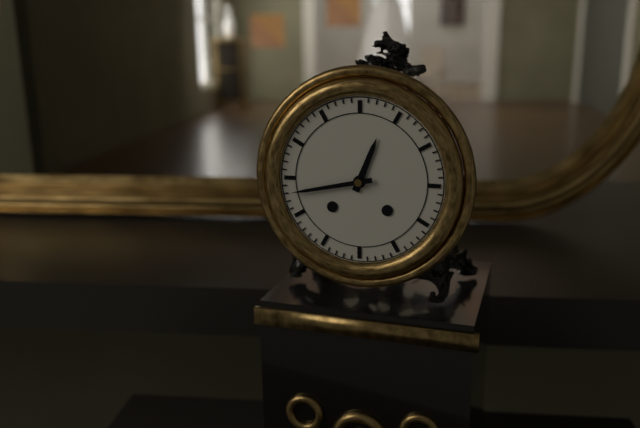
h=12 m=43
